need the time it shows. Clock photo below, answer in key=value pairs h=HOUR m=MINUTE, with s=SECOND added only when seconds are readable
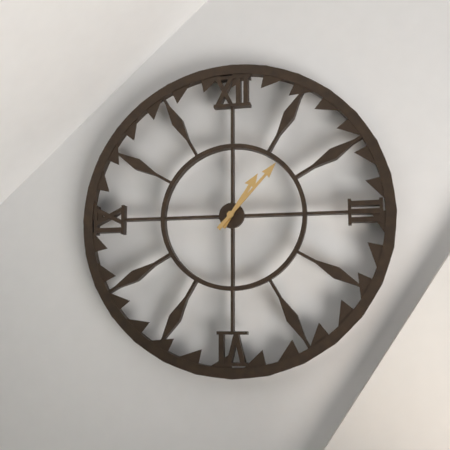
h=1 m=7
